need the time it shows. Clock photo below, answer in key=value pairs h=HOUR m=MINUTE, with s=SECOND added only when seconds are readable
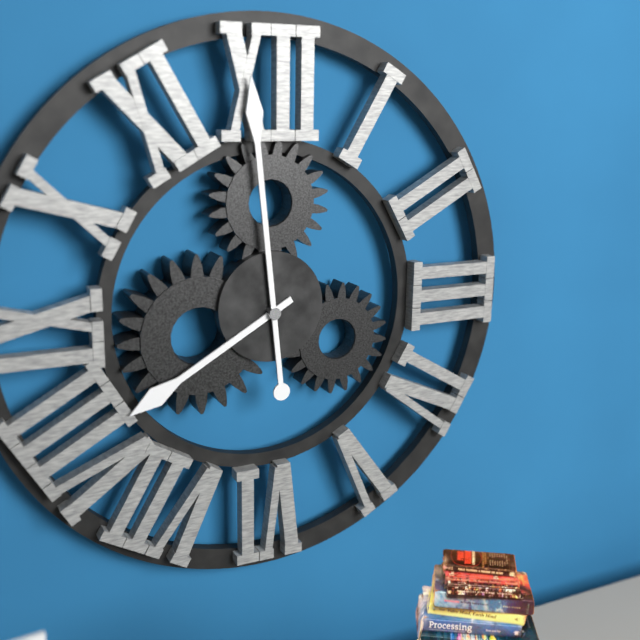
h=7 m=59
